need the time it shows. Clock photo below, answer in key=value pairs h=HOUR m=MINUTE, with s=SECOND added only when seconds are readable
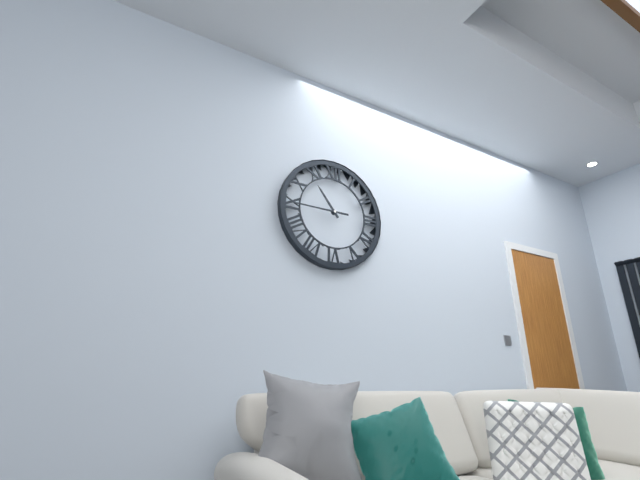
h=10 m=45
